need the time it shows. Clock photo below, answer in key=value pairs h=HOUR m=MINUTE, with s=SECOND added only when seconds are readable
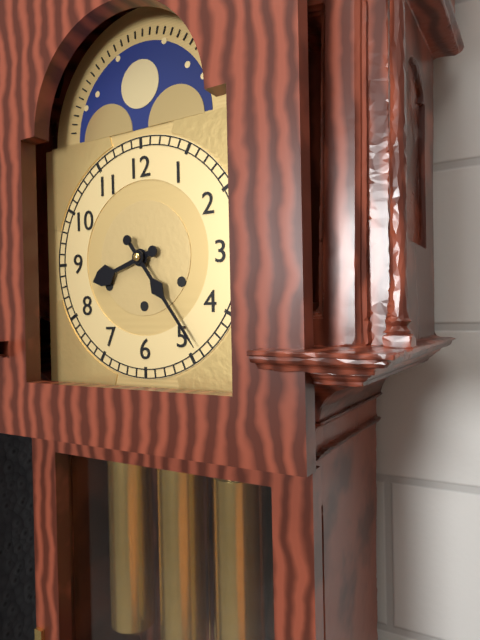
h=8 m=24
